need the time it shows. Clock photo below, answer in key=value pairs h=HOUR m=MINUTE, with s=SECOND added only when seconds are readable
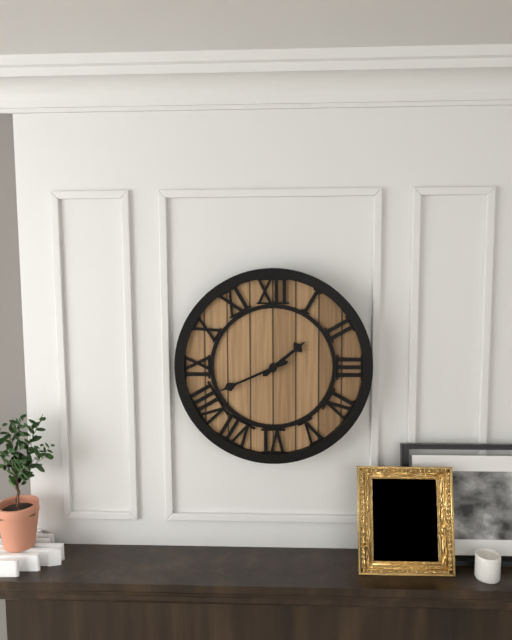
h=1 m=41
